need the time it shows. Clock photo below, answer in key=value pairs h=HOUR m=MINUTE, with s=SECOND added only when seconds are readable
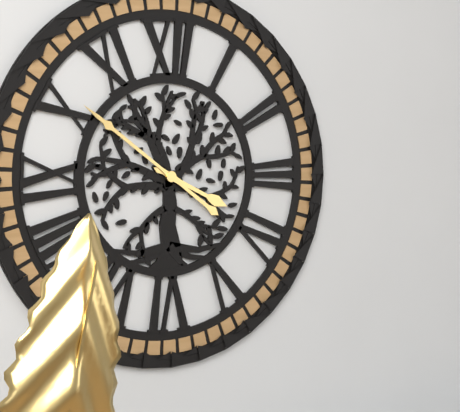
h=3 m=51
